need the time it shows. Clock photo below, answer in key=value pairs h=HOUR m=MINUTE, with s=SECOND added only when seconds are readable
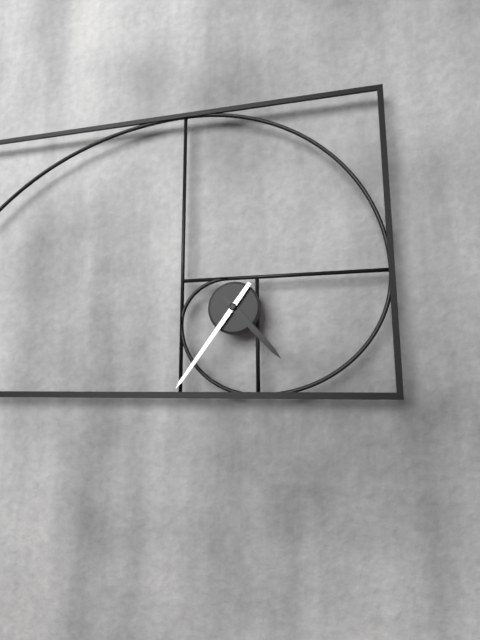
h=4 m=36
